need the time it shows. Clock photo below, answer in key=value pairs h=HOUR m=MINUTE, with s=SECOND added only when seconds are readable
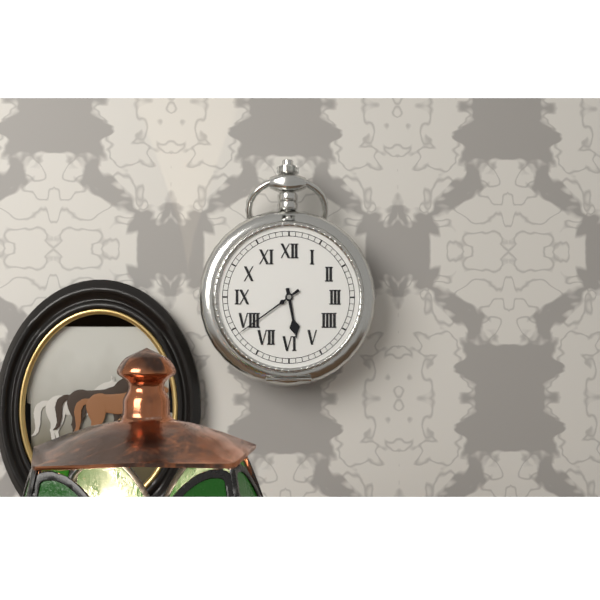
h=5 m=39
